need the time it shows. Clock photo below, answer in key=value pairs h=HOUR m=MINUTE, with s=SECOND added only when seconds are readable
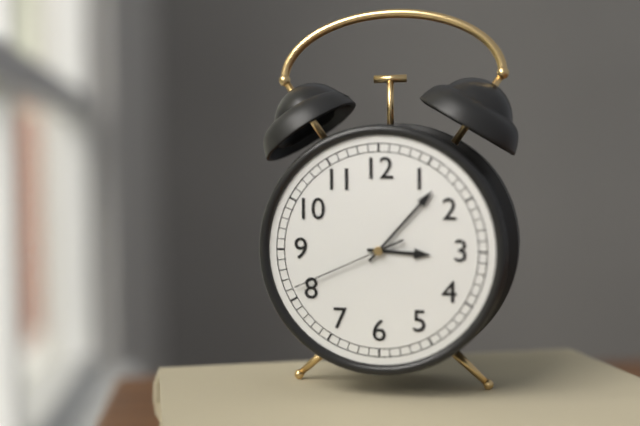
h=3 m=7 s=41
